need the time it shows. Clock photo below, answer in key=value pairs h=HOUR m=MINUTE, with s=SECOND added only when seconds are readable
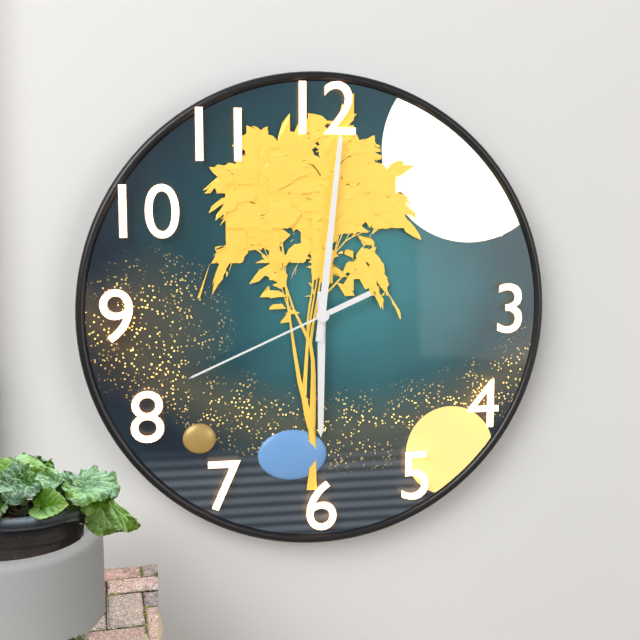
h=6 m=1 s=41
